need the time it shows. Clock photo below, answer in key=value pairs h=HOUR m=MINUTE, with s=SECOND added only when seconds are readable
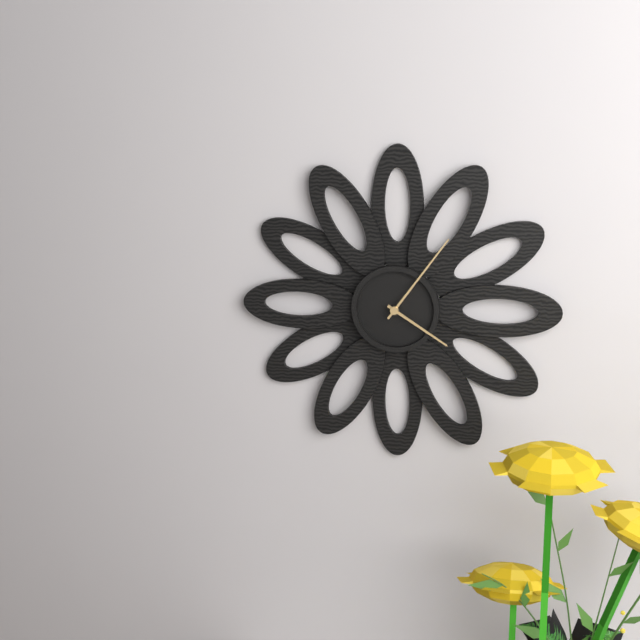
h=4 m=6
